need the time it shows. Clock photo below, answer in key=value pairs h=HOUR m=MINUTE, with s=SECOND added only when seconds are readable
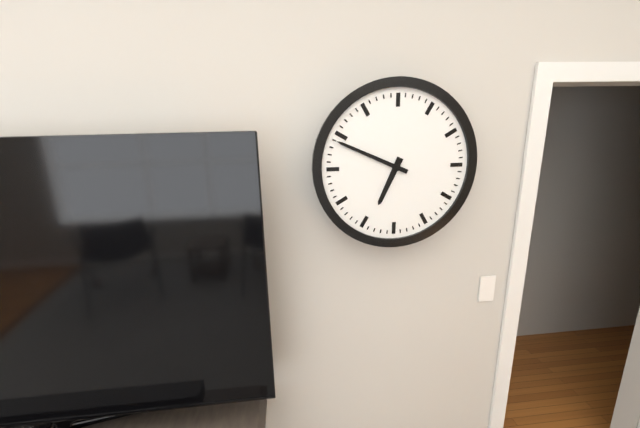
h=6 m=49
